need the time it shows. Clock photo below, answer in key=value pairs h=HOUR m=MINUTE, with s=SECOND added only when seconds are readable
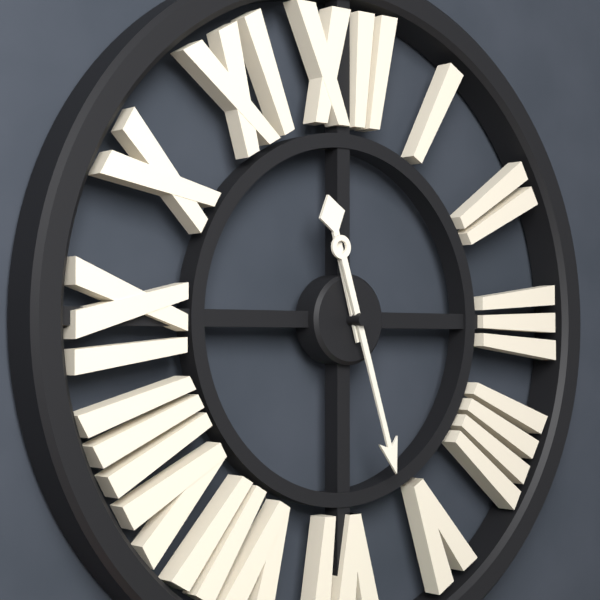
h=11 m=27
